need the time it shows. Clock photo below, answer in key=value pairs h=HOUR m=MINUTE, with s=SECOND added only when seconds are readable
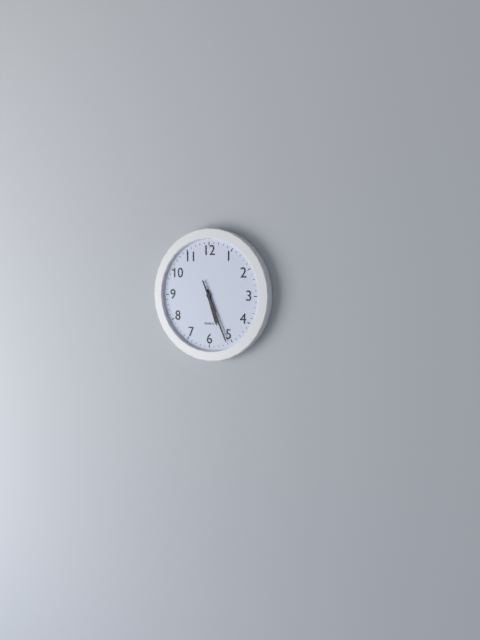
h=5 m=26
